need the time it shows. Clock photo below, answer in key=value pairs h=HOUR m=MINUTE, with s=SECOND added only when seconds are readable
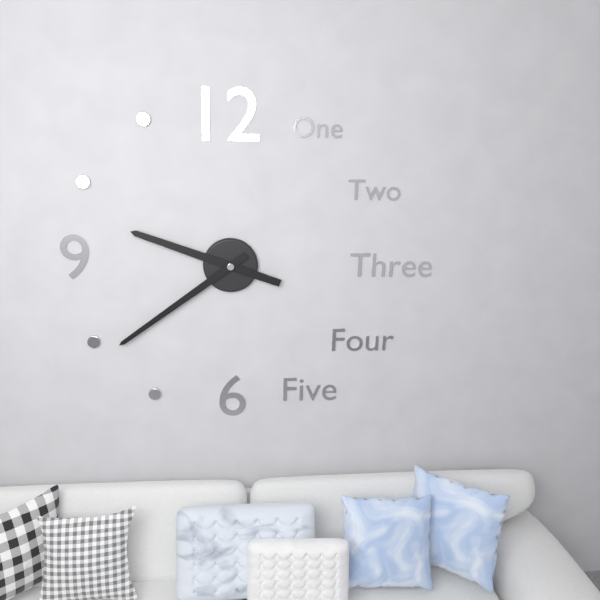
h=9 m=39
